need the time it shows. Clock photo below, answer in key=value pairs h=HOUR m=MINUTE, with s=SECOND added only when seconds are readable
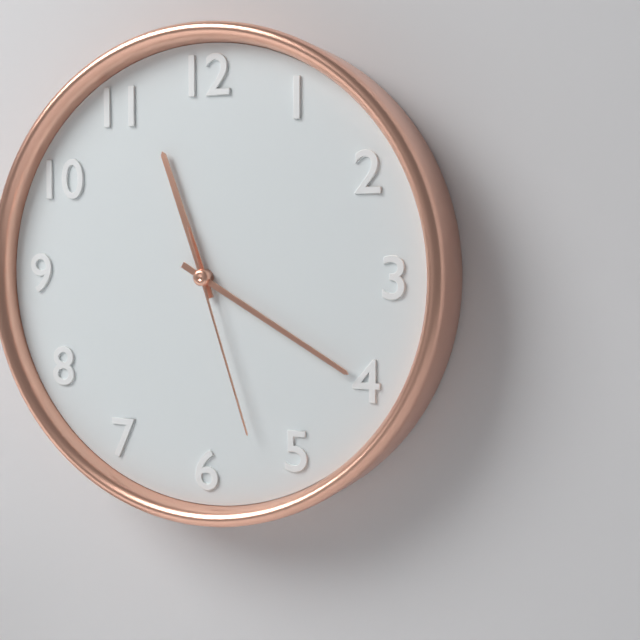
h=11 m=20 s=27
